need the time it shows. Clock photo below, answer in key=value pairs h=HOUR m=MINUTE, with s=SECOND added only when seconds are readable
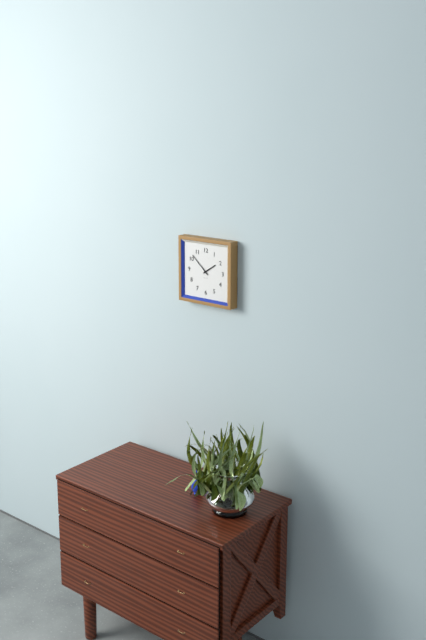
h=1 m=52
